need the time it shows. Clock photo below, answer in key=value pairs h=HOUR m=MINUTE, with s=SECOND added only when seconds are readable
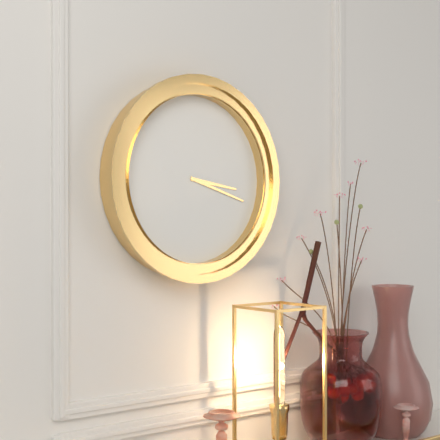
h=3 m=18
